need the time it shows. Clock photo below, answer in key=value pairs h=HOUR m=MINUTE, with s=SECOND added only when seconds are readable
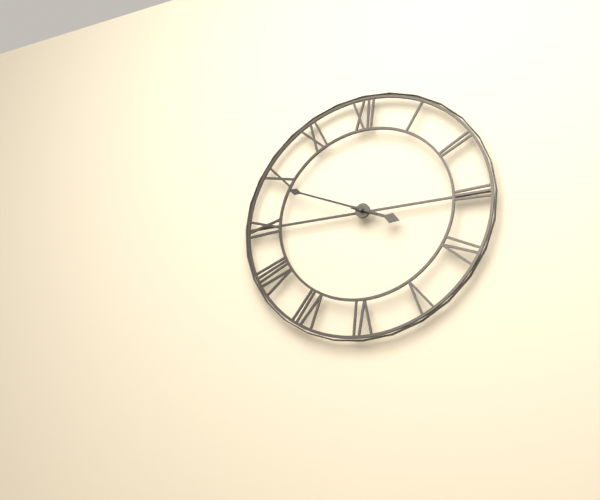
h=3 m=49
